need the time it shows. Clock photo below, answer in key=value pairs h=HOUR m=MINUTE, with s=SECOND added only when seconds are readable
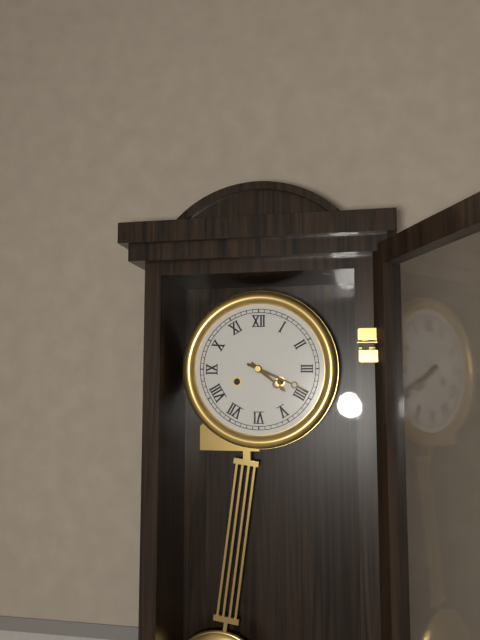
h=4 m=19
